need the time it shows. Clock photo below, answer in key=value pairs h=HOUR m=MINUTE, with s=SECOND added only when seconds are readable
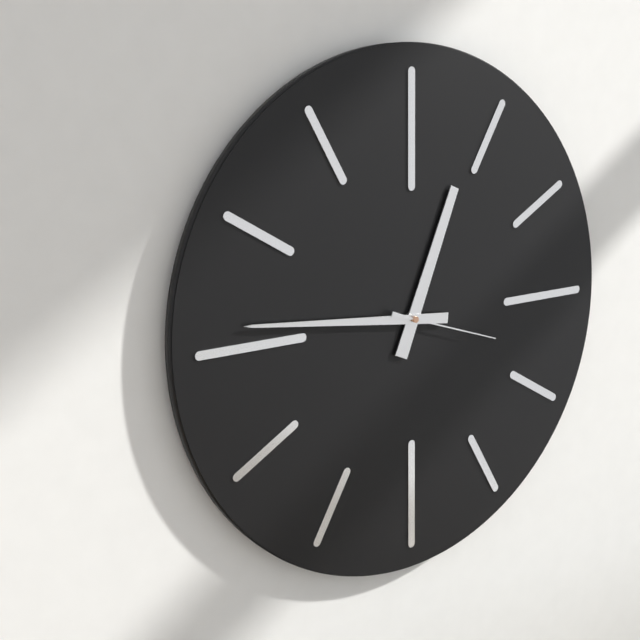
h=12 m=46 s=18
